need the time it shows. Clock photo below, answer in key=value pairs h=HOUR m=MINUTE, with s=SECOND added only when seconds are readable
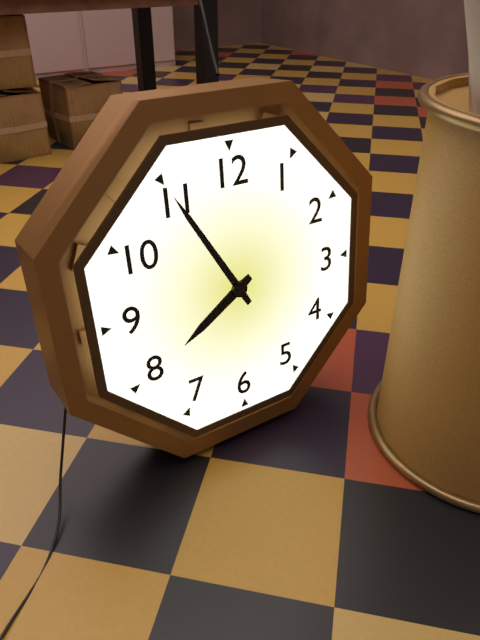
h=7 m=55
